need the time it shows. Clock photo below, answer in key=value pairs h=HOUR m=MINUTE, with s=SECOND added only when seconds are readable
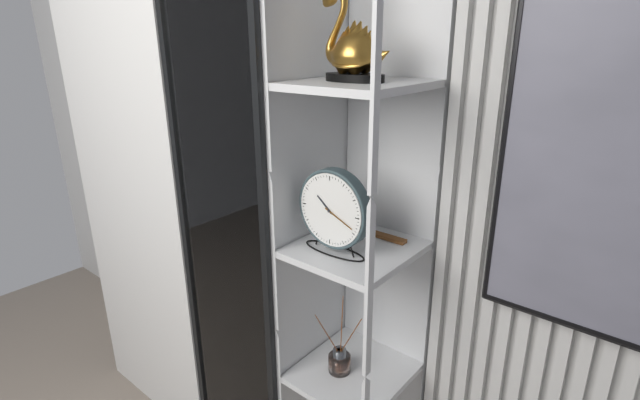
h=10 m=19
